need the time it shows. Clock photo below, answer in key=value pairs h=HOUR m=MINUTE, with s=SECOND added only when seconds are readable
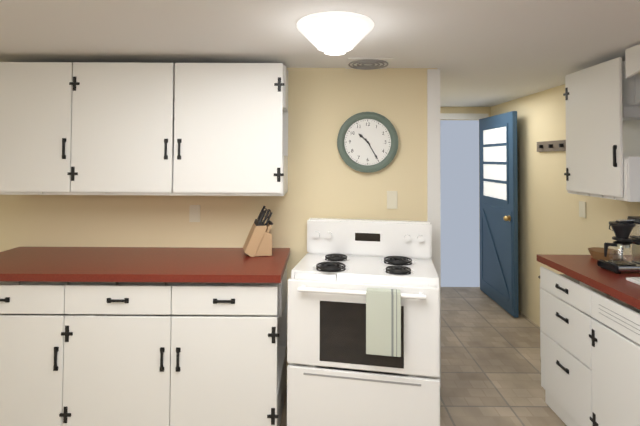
h=10 m=25
